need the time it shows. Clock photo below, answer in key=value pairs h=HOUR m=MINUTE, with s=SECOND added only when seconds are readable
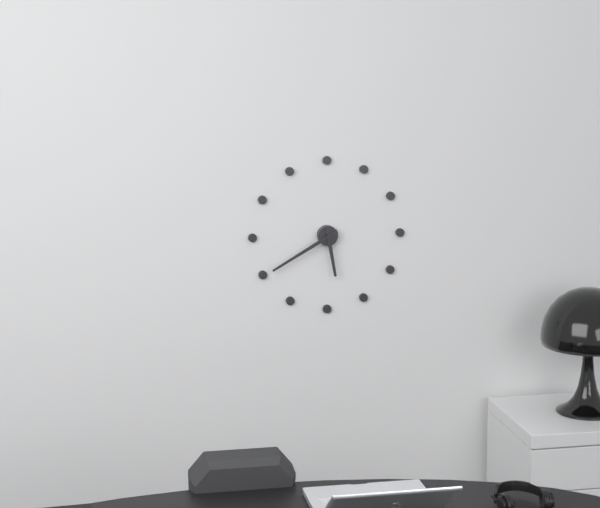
h=5 m=40
